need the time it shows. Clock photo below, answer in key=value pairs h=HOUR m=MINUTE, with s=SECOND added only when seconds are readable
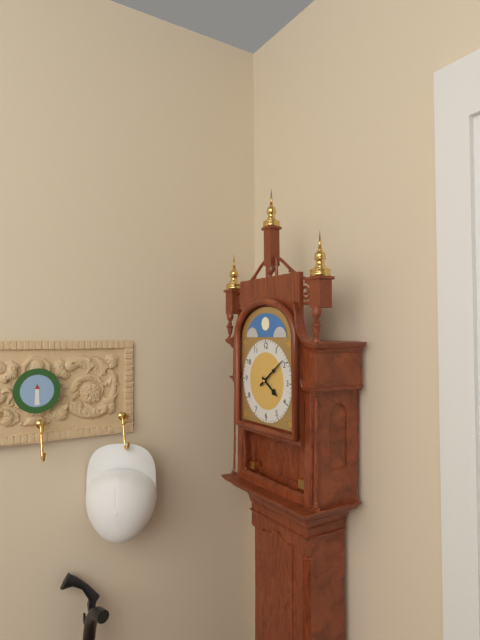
h=4 m=9
